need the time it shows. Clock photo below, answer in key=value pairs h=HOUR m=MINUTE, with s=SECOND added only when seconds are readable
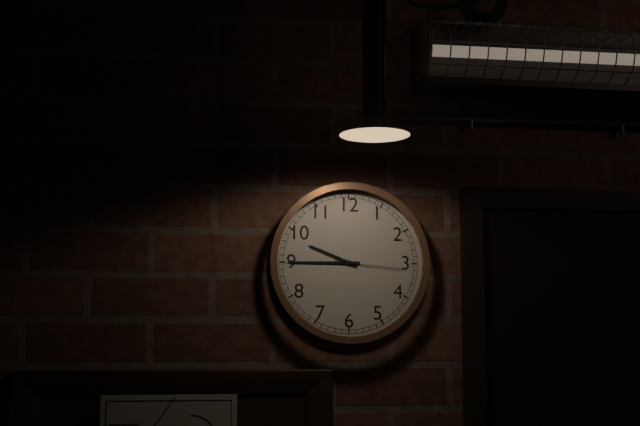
h=9 m=45 s=16
